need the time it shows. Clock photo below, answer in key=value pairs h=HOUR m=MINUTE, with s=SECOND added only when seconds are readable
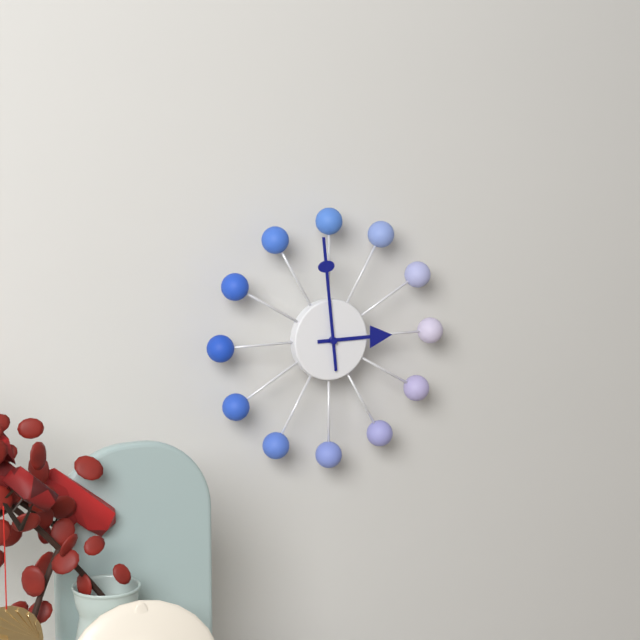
h=2 m=59
